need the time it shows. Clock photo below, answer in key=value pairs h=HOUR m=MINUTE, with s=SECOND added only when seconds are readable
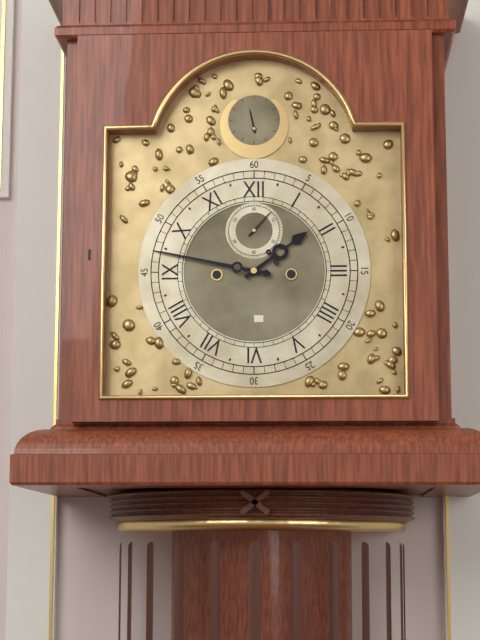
h=1 m=47
